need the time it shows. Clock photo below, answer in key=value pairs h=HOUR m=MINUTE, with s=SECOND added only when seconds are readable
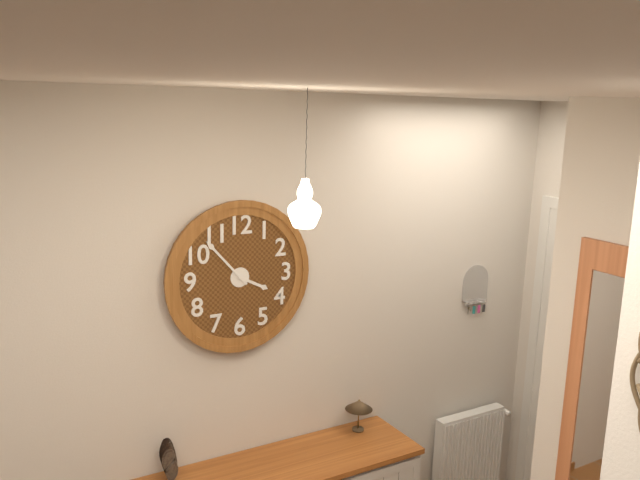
h=3 m=53
